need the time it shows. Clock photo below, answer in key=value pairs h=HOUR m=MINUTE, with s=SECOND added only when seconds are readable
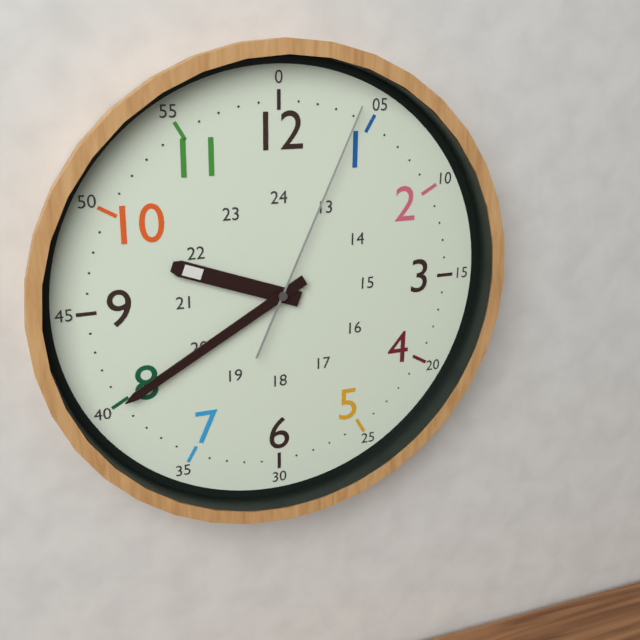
h=9 m=40 s=4
